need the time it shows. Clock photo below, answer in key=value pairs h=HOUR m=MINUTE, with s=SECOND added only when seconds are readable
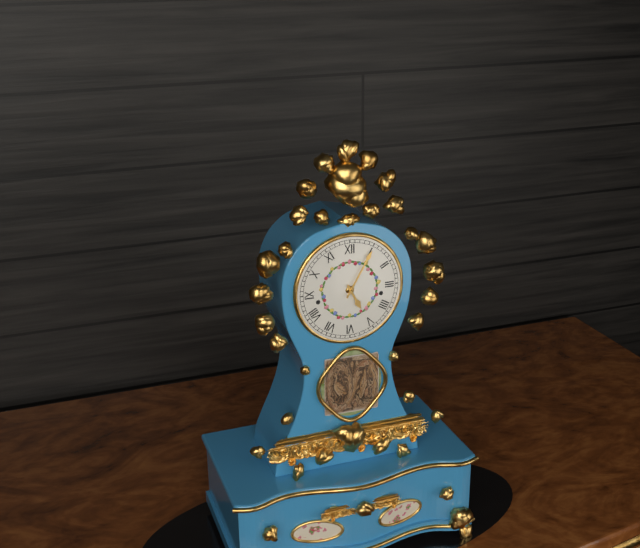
h=5 m=5
